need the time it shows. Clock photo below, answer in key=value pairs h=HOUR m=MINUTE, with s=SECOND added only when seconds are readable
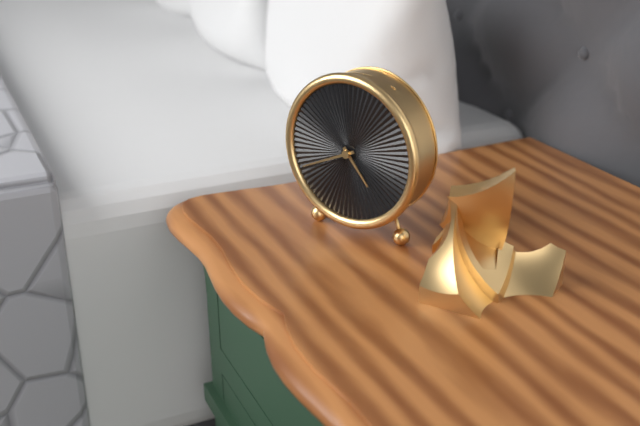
h=4 m=41
